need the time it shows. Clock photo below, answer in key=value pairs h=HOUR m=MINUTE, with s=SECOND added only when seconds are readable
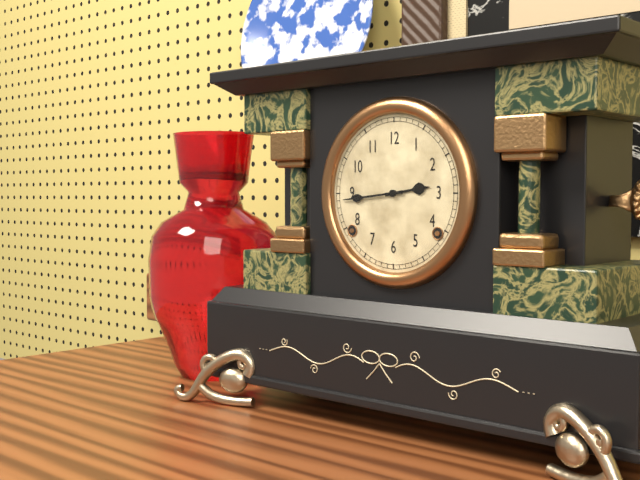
h=2 m=44
